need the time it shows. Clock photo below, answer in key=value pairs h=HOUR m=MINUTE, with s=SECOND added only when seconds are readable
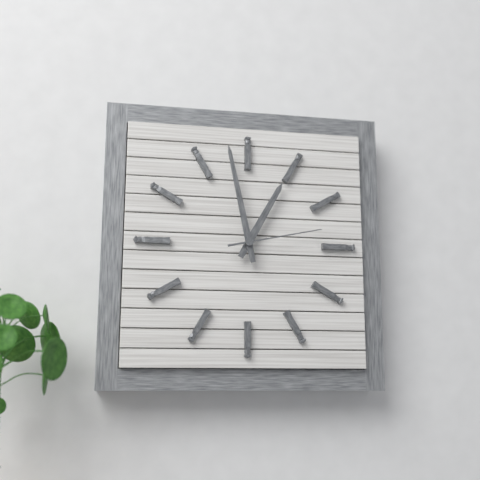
h=12 m=58 s=13
